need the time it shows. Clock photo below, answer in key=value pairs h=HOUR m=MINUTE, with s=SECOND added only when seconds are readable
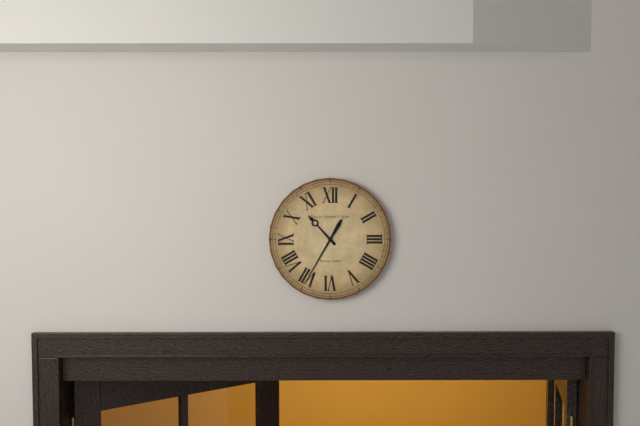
h=10 m=35
